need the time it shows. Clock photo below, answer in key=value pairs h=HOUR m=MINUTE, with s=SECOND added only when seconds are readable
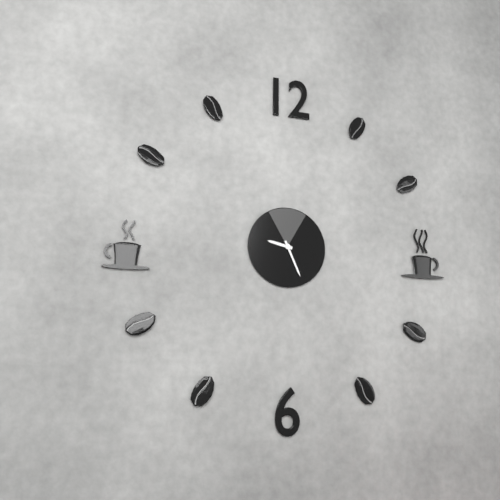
h=9 m=26
